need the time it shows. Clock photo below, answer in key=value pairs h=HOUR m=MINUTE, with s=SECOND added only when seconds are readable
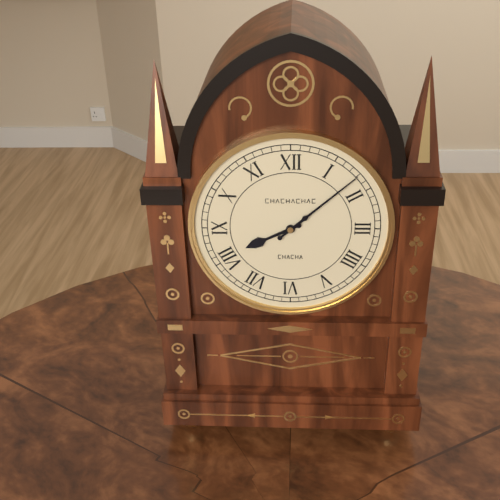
h=8 m=8
